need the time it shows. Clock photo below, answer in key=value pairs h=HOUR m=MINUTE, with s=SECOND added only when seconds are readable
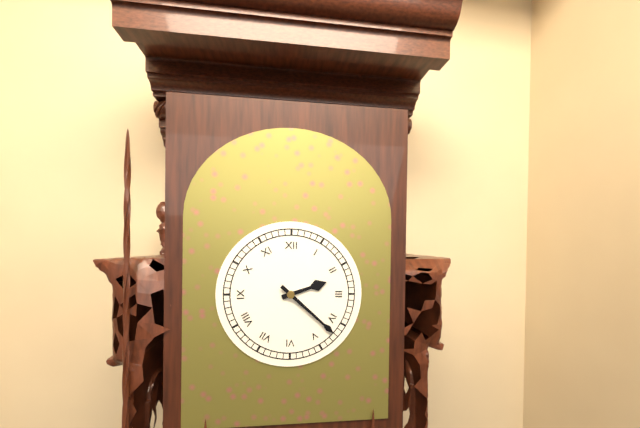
h=2 m=22
